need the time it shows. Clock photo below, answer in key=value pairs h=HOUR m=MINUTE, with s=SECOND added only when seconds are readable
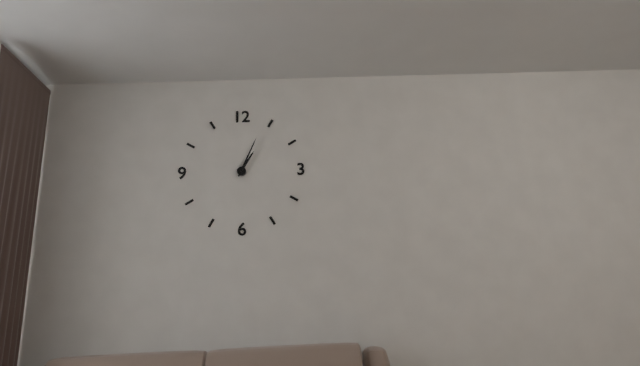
h=1 m=4
